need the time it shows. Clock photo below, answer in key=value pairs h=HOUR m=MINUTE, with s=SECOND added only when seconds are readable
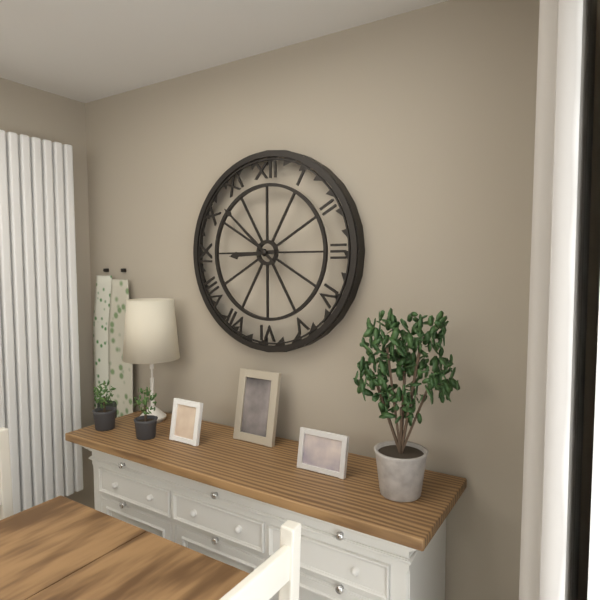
h=8 m=52
